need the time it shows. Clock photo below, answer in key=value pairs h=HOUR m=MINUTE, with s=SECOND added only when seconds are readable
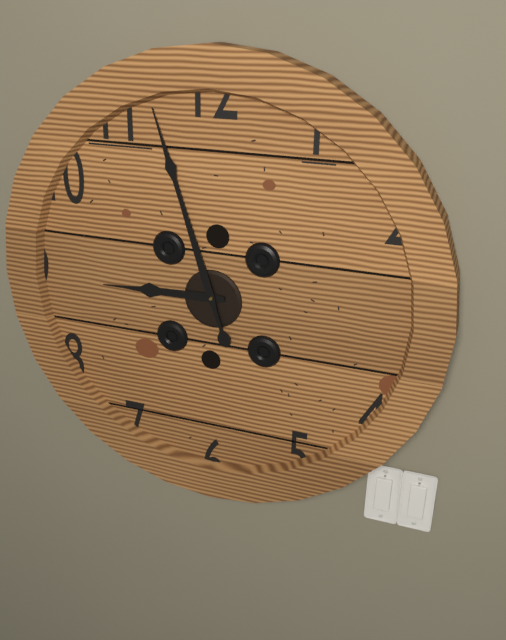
h=8 m=57
